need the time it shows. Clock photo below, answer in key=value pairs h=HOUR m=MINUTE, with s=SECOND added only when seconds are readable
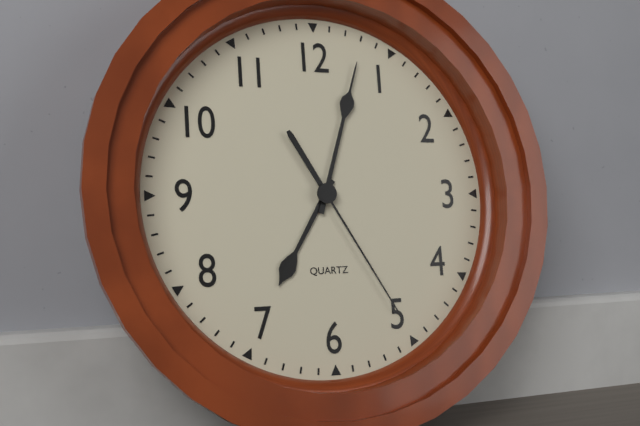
h=7 m=3 s=25
